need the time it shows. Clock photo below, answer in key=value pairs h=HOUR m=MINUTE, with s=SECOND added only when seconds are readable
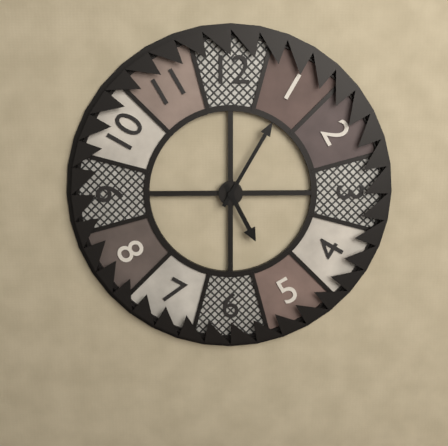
h=5 m=5
